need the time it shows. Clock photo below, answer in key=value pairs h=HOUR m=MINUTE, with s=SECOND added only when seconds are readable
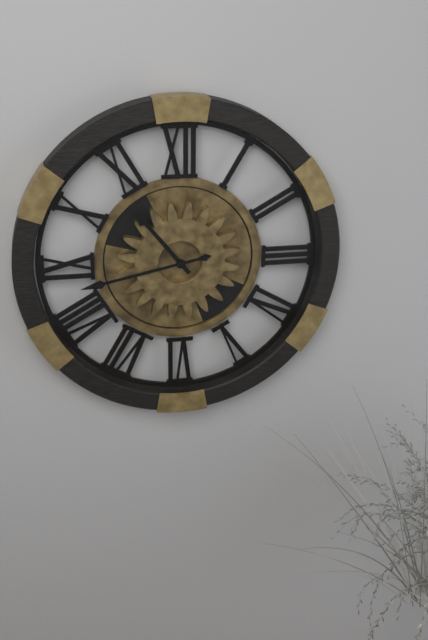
h=10 m=43
